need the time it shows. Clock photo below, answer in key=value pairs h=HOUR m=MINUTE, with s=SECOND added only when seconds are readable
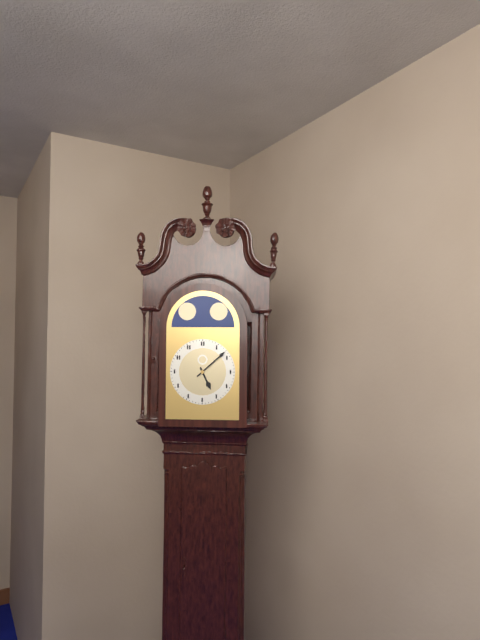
h=5 m=8
